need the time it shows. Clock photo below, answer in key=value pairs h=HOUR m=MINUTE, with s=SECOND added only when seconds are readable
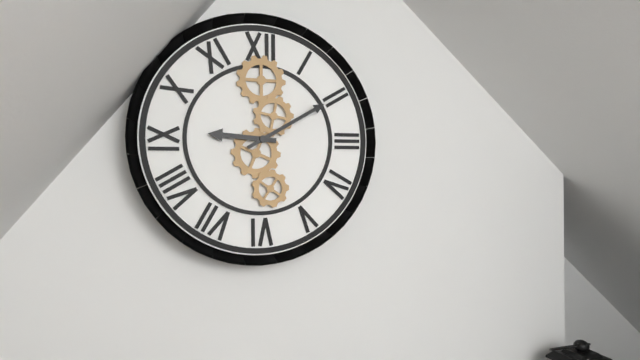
h=9 m=10
